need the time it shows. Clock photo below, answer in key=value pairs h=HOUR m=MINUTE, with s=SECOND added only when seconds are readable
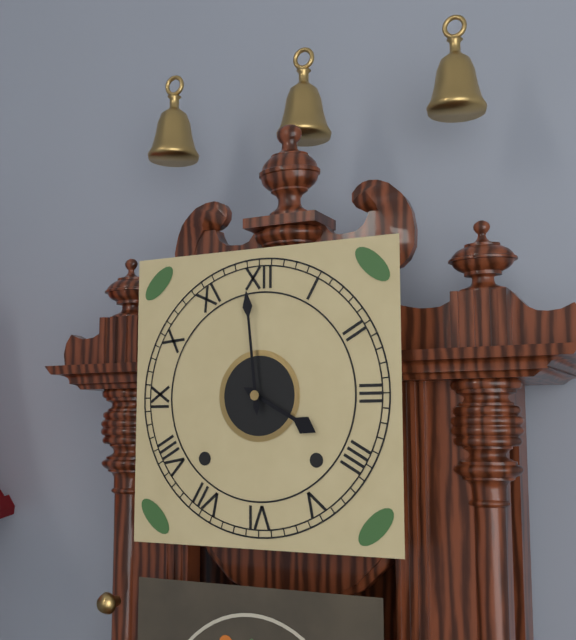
h=3 m=59
